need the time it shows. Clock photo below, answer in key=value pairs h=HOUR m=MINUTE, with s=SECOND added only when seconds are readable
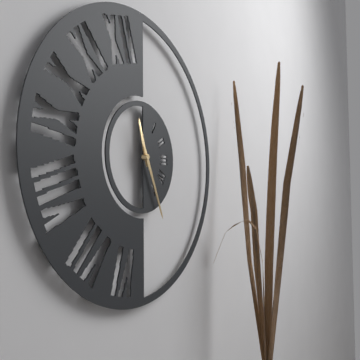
h=11 m=26
